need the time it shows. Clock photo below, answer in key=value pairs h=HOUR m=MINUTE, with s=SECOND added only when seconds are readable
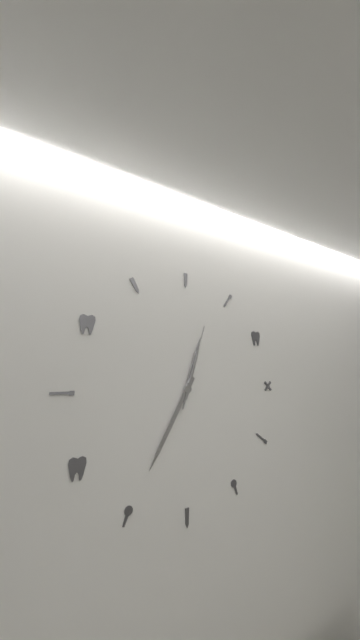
h=12 m=35 s=3
